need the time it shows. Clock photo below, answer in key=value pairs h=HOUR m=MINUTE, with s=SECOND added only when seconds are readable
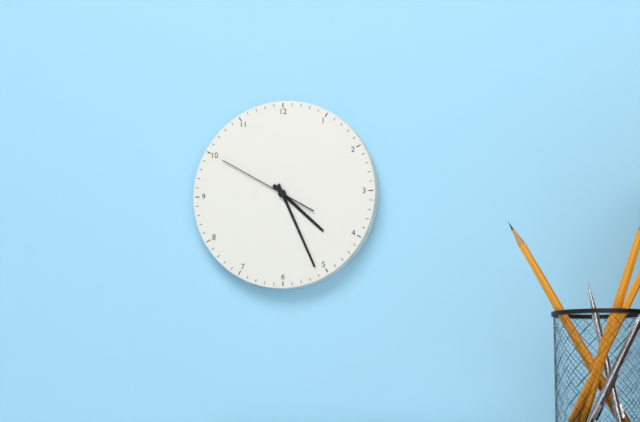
h=4 m=26 s=50
